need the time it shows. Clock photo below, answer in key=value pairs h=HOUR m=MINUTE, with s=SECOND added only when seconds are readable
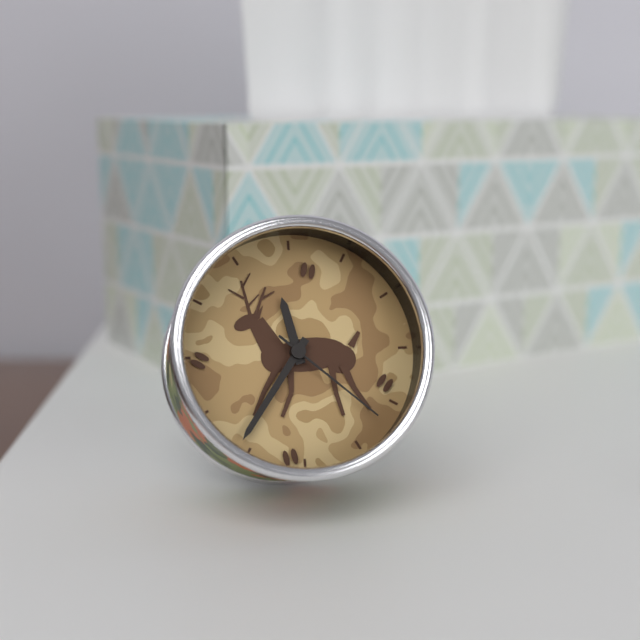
h=11 m=36 s=22
